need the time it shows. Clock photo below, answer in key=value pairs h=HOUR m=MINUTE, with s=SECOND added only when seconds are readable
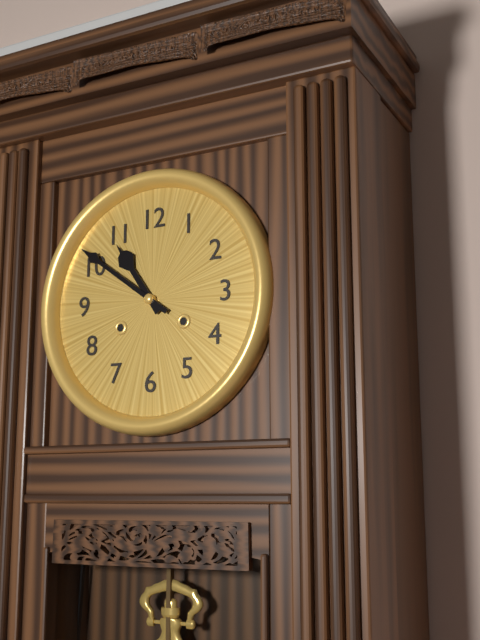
h=10 m=51
